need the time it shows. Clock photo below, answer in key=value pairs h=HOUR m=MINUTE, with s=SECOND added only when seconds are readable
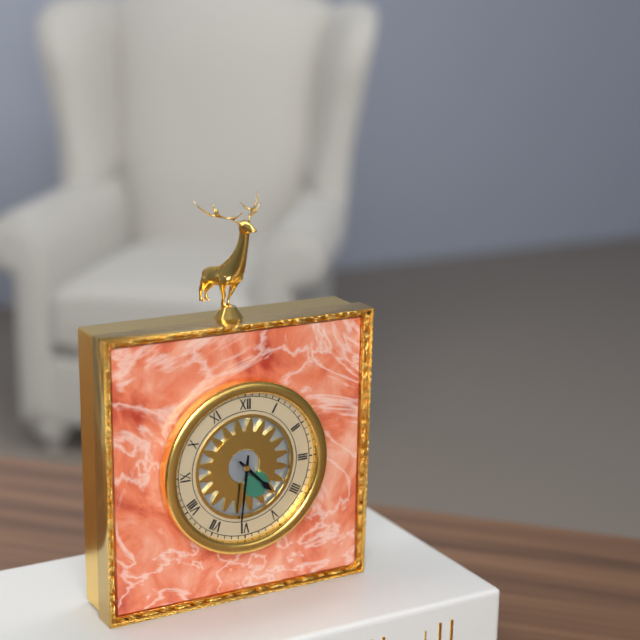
h=4 m=31
